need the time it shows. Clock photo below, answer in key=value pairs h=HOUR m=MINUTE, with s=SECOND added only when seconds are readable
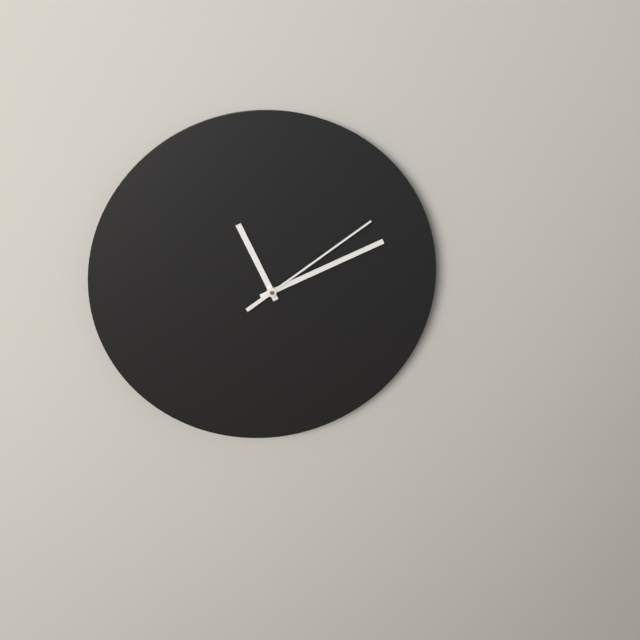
h=11 m=11 s=9
